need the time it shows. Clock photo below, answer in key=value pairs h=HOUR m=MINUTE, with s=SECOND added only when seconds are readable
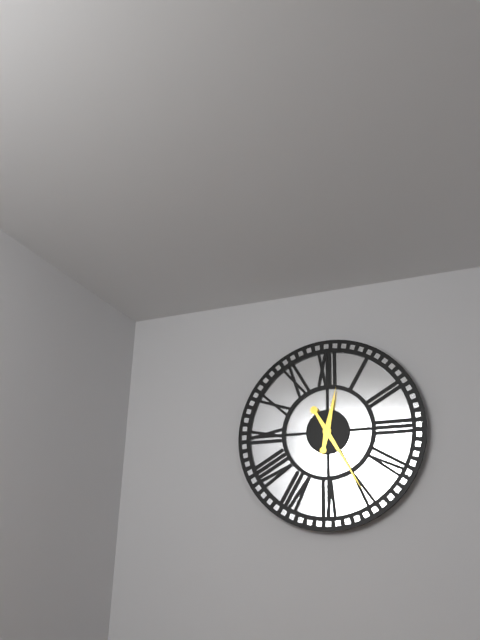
h=12 m=25
